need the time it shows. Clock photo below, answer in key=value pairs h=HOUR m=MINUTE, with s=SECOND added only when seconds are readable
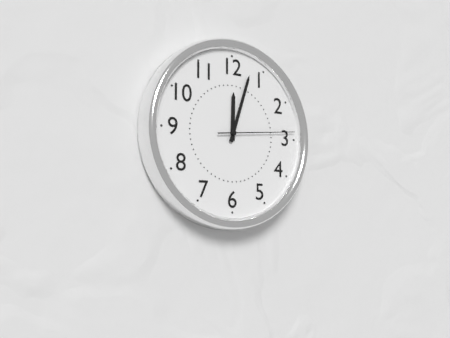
h=12 m=3 s=14
